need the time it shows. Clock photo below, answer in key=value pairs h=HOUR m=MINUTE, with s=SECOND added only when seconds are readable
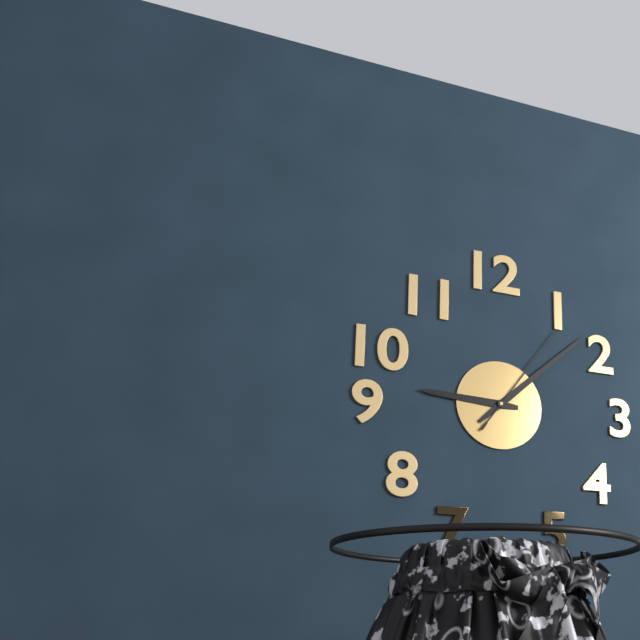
h=9 m=8 s=6
